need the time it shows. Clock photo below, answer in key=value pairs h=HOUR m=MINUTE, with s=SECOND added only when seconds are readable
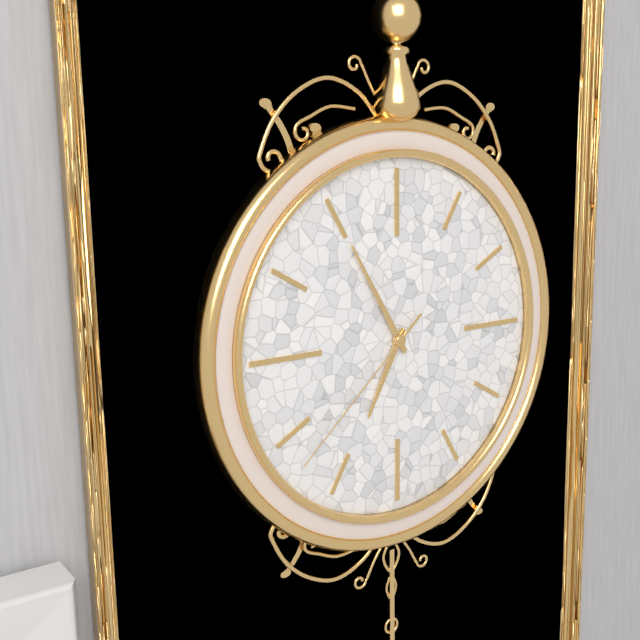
h=6 m=55 s=38
